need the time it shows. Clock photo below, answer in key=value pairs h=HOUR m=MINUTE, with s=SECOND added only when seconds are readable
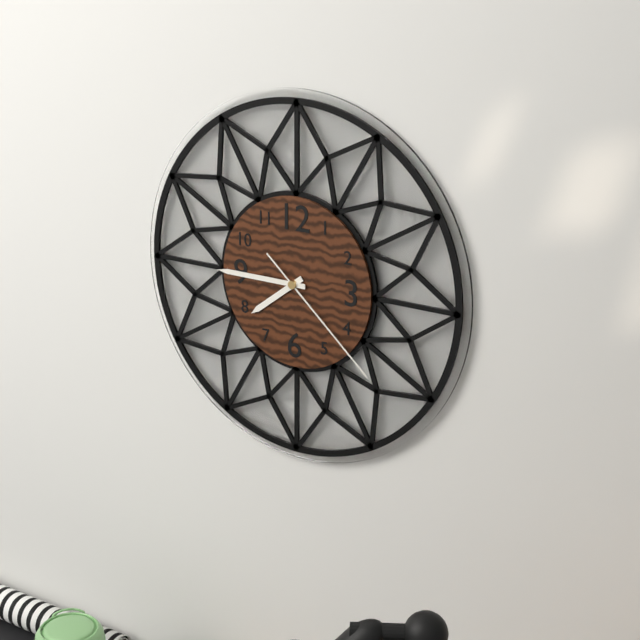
h=7 m=45 s=22
